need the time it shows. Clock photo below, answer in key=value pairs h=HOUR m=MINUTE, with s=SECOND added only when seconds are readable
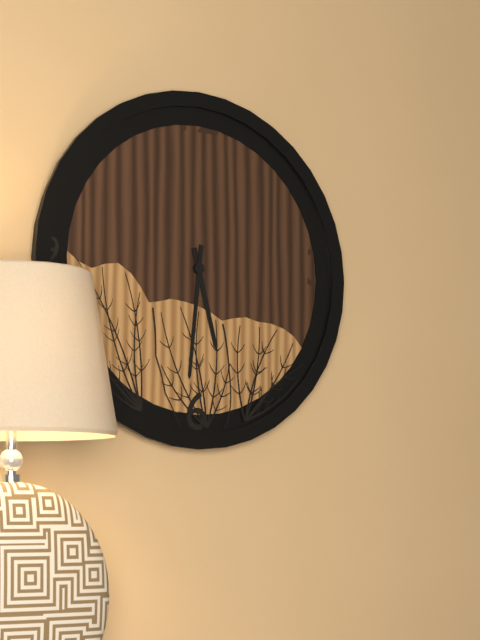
h=5 m=31
